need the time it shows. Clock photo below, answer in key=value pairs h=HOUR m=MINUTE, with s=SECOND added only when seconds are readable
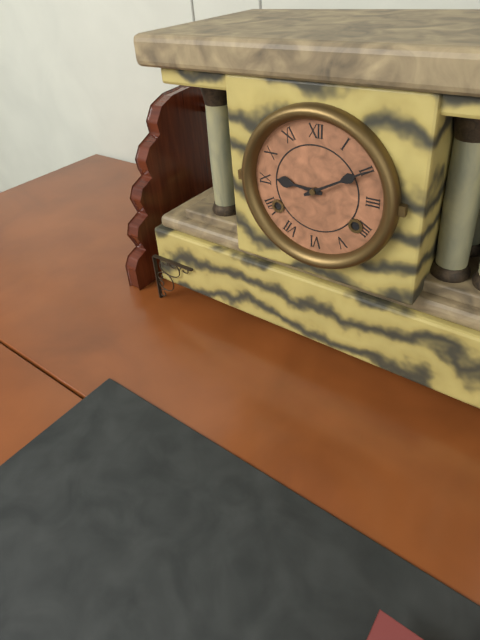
h=9 m=10
